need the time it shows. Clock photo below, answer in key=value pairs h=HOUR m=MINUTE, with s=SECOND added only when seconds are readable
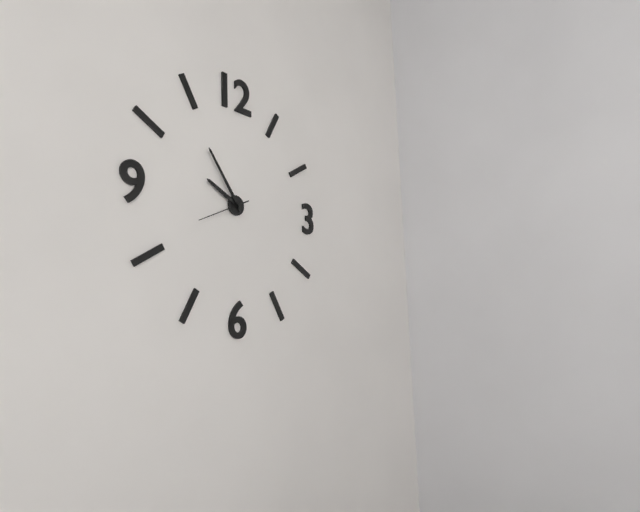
h=9 m=54
